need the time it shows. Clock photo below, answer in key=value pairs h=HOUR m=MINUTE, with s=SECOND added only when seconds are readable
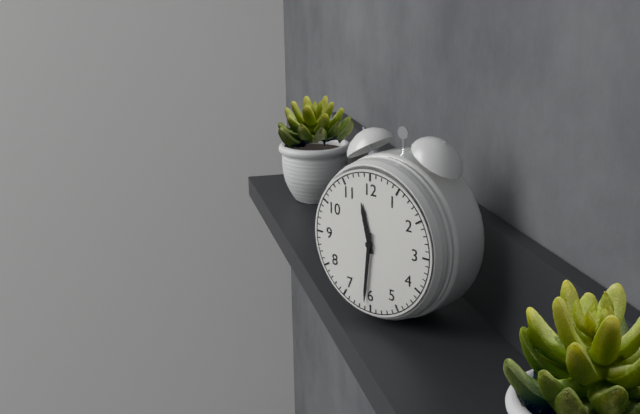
h=11 m=31
